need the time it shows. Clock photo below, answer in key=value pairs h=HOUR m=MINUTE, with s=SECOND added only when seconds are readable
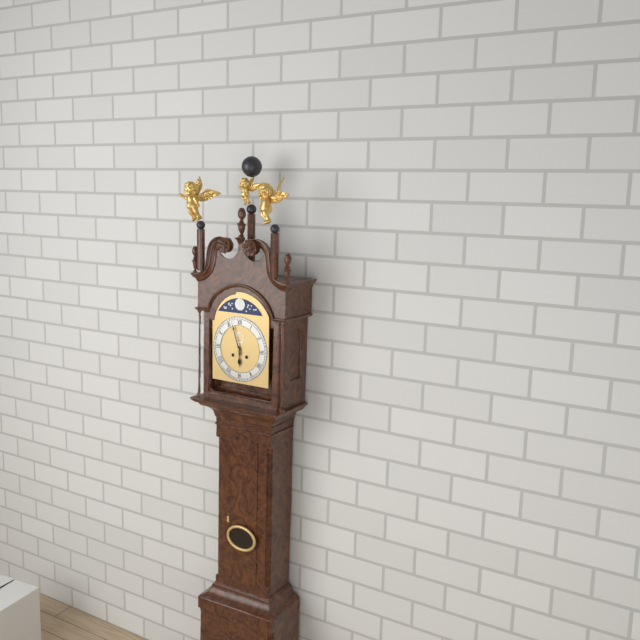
h=5 m=57
